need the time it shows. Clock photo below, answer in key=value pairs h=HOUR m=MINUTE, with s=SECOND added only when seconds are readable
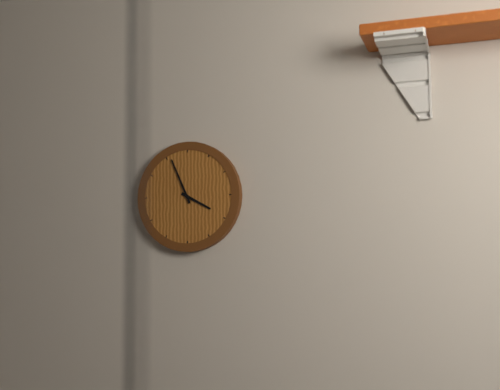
h=3 m=56
